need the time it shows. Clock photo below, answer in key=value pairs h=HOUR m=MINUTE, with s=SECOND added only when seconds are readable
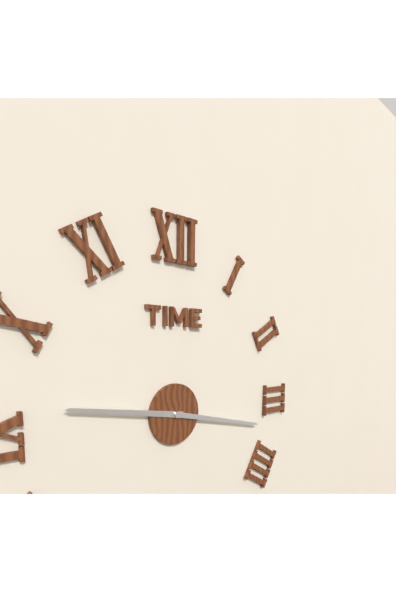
h=9 m=17
